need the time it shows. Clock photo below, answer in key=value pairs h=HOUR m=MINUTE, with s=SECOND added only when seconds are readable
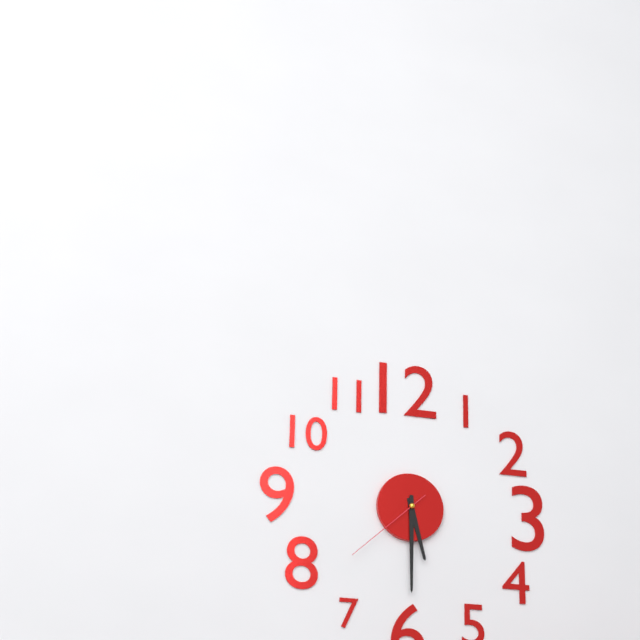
h=5 m=30 s=38
